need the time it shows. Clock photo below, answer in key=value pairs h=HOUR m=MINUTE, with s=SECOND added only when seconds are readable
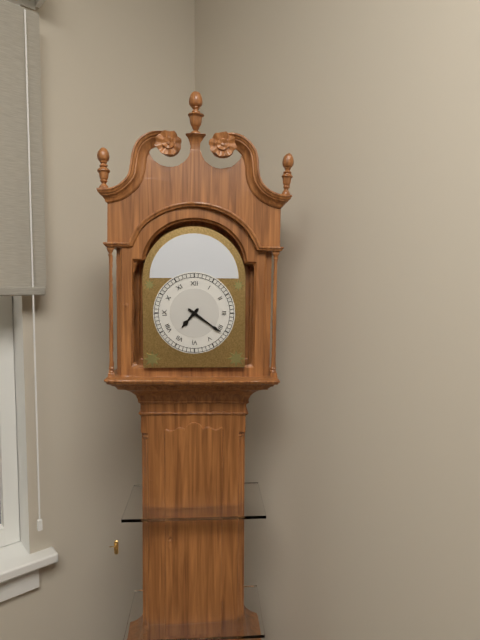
h=7 m=21
